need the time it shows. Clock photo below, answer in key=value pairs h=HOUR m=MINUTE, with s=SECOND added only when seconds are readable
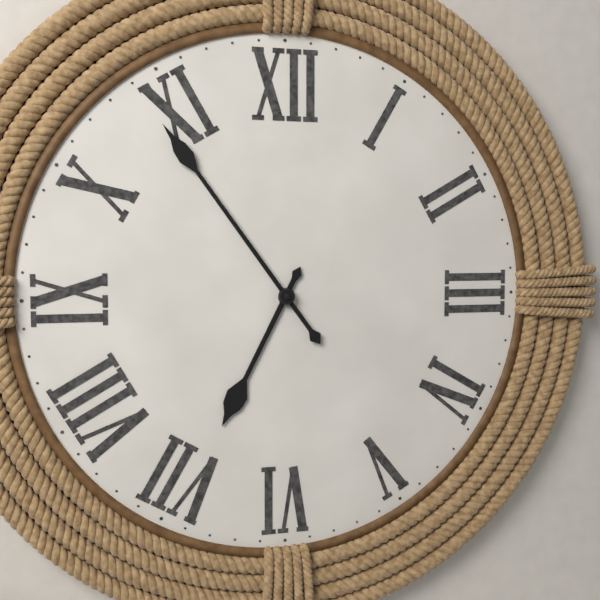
h=6 m=54
